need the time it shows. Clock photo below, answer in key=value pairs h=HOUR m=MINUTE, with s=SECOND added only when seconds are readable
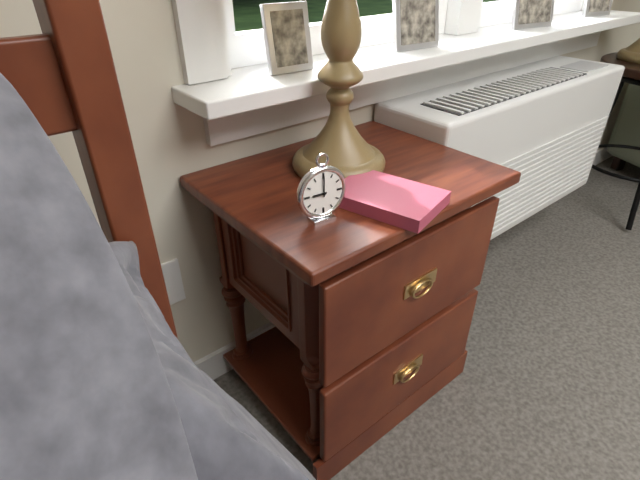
h=9 m=0
